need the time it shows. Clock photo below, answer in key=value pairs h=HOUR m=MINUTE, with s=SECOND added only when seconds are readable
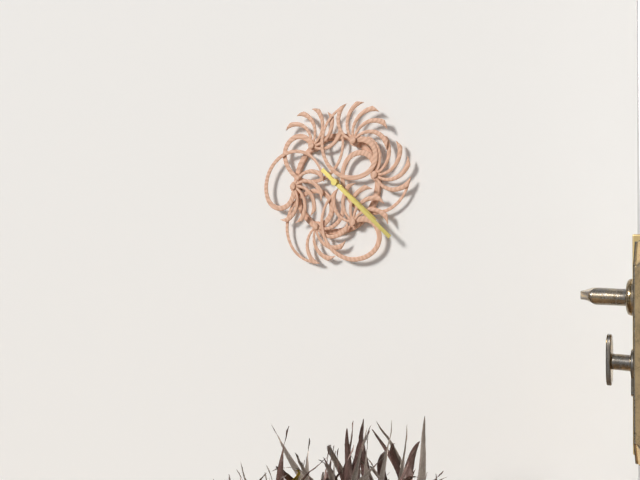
h=4 m=22
